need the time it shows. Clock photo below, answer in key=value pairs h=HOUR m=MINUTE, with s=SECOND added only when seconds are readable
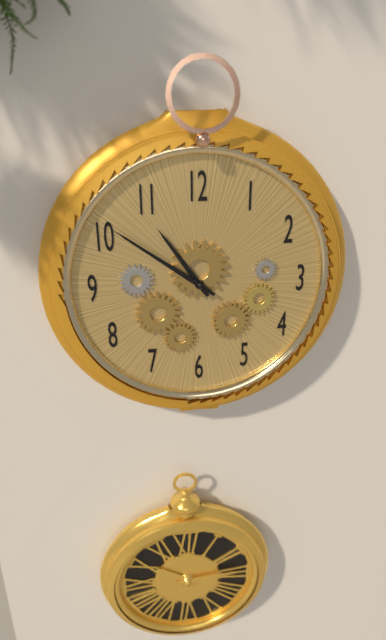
h=10 m=51
